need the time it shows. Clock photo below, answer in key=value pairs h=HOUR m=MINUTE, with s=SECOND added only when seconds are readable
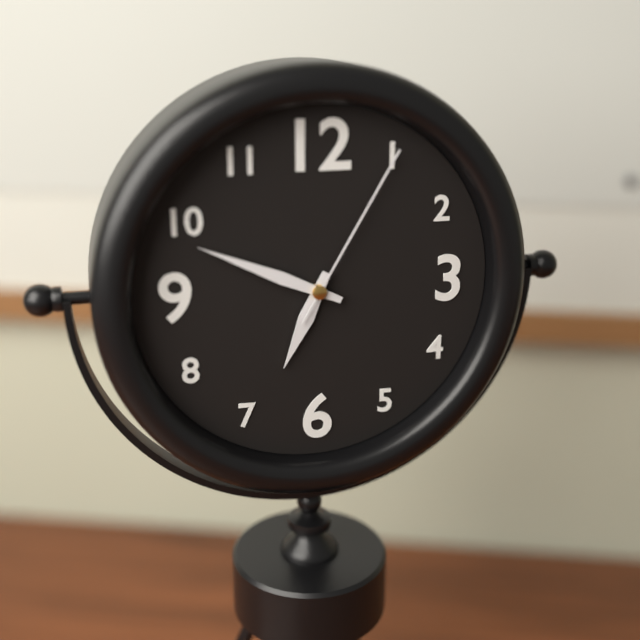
h=6 m=49 s=5
